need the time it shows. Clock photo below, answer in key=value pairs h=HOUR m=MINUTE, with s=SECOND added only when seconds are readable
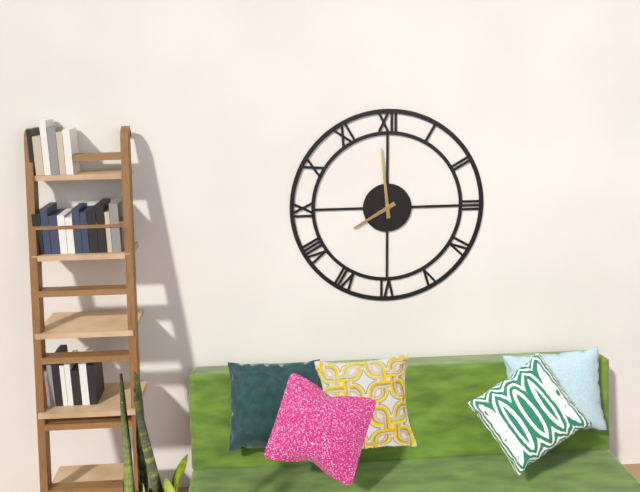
h=7 m=59
